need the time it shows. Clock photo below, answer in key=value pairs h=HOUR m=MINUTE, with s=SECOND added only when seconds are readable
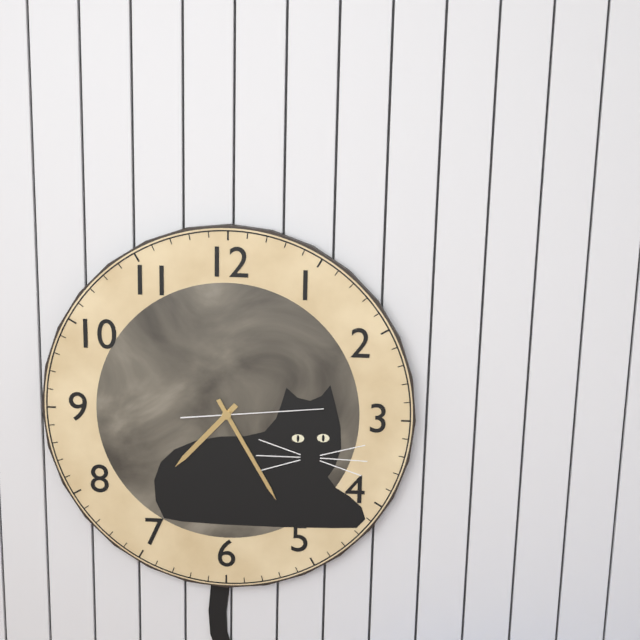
h=7 m=25 s=14
